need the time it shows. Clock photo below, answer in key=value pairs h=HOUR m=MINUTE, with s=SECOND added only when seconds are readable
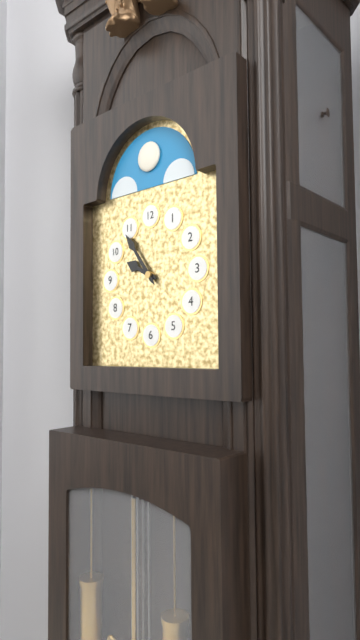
h=9 m=54
